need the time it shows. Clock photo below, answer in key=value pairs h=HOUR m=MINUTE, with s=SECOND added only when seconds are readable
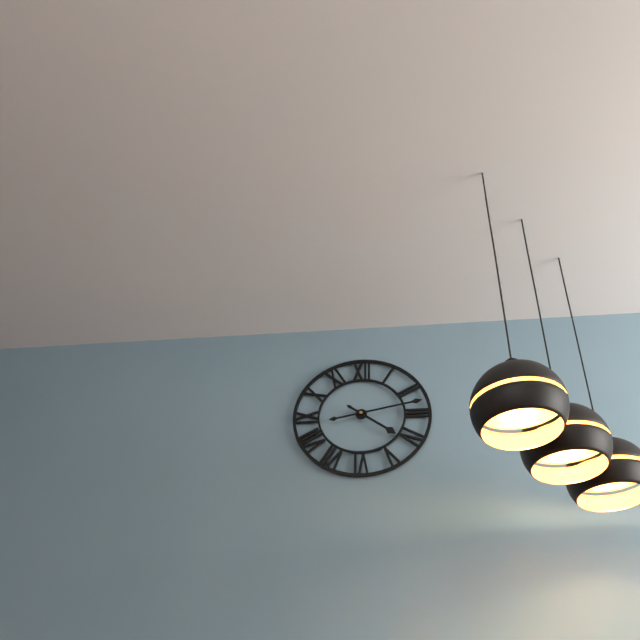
h=4 m=13
